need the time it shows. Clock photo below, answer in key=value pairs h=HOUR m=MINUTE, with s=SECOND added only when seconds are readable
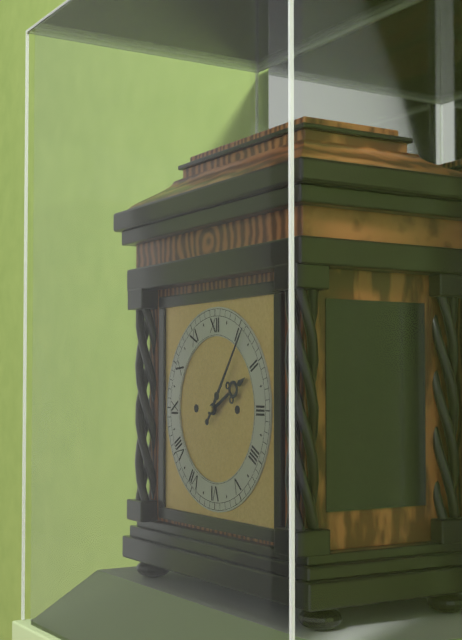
h=2 m=6
